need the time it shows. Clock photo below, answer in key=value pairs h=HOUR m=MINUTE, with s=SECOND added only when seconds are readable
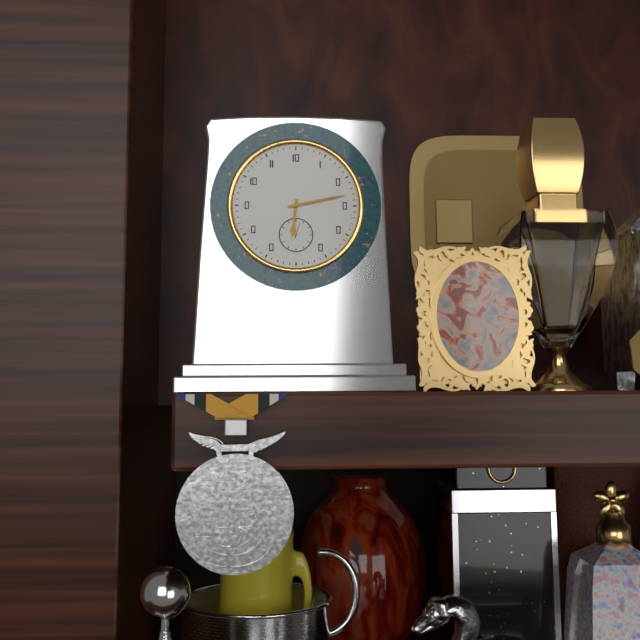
h=6 m=13
